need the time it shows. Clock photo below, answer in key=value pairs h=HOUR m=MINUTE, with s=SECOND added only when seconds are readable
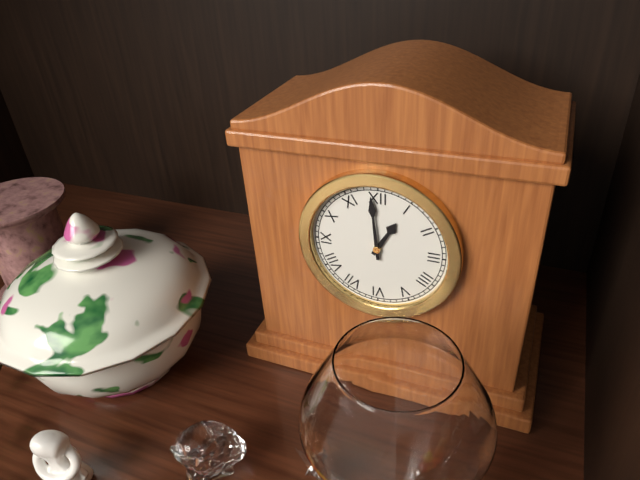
h=12 m=59
